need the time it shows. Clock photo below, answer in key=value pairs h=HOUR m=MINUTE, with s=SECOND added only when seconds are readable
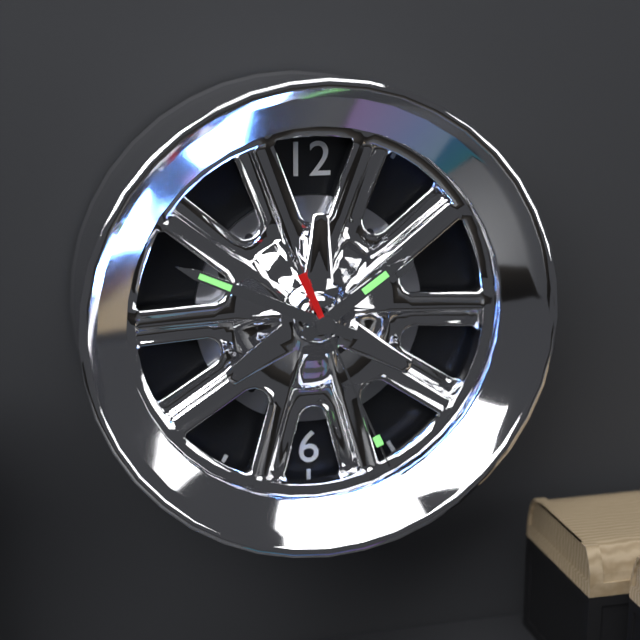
h=1 m=49 s=26
